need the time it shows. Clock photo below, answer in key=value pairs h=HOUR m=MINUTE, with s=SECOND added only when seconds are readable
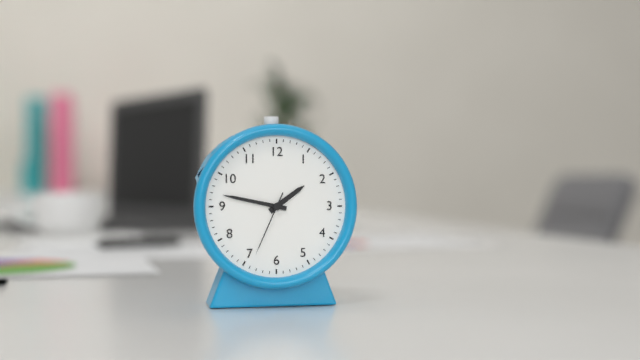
h=1 m=47 s=34
